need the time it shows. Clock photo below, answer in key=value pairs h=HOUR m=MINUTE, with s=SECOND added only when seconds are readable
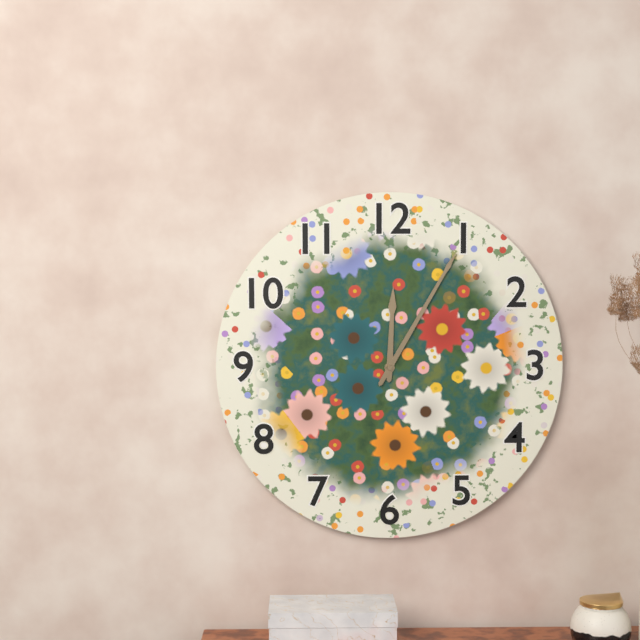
h=12 m=5
